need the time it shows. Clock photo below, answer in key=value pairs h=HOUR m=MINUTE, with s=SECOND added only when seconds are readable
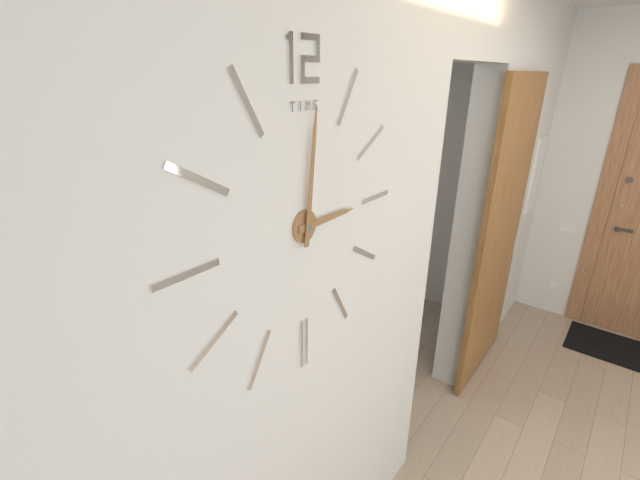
h=3 m=1
